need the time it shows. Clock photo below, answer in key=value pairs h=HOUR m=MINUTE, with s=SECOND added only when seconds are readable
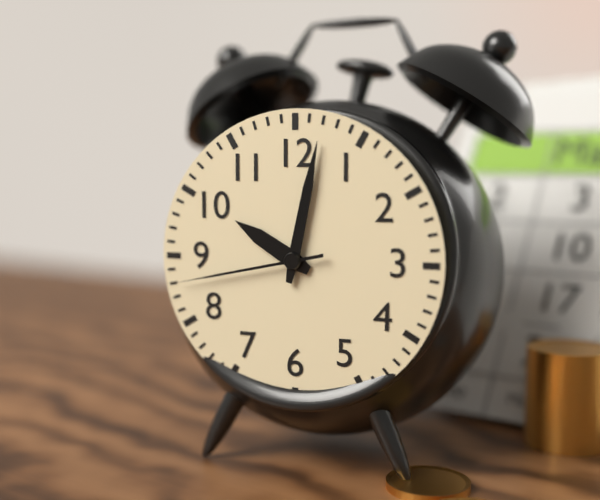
h=10 m=2 s=43
